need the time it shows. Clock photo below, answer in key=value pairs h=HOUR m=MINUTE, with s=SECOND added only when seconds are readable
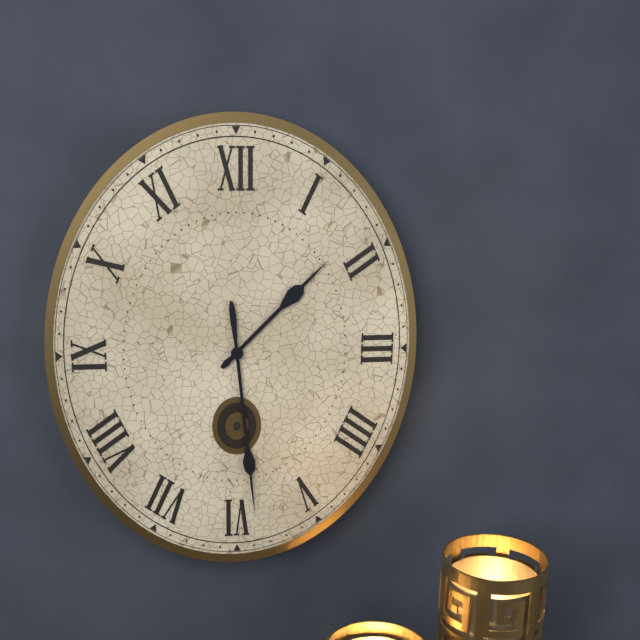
h=1 m=29
